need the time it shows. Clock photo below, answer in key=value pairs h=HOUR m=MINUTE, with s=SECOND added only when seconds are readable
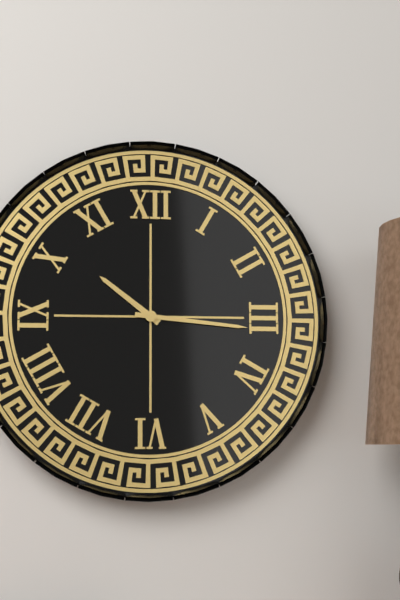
h=10 m=16
